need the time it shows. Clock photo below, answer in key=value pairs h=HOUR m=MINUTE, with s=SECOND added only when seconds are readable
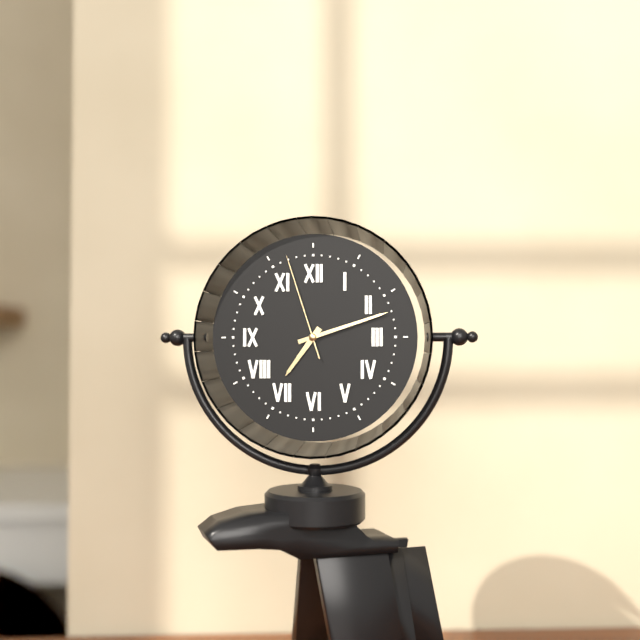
h=7 m=12 s=57
